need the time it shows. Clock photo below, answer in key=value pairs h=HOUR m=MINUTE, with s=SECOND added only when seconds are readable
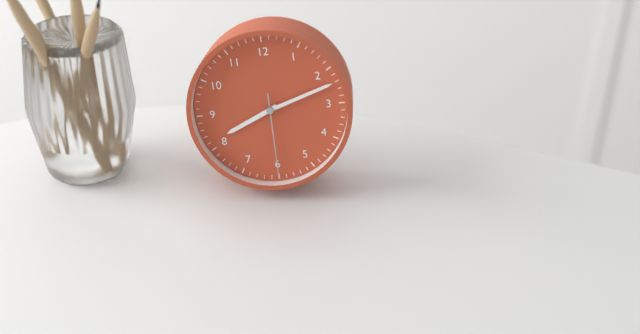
h=8 m=12 s=30
